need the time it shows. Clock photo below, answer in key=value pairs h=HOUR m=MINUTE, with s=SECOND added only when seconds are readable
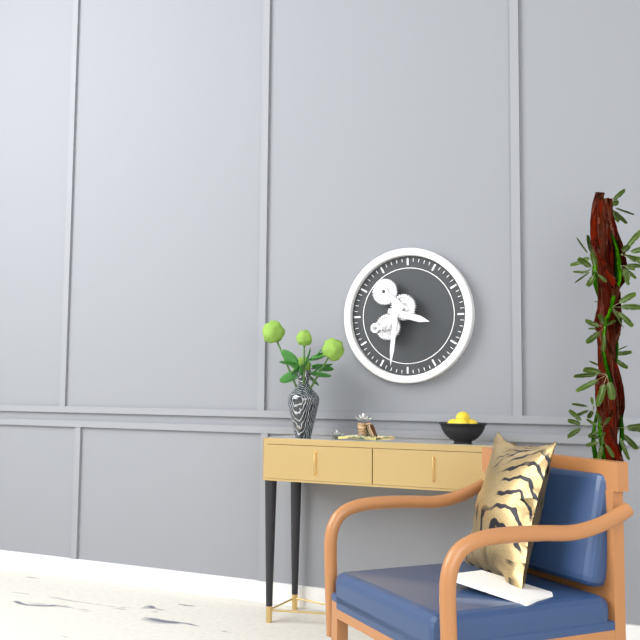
h=3 m=31
